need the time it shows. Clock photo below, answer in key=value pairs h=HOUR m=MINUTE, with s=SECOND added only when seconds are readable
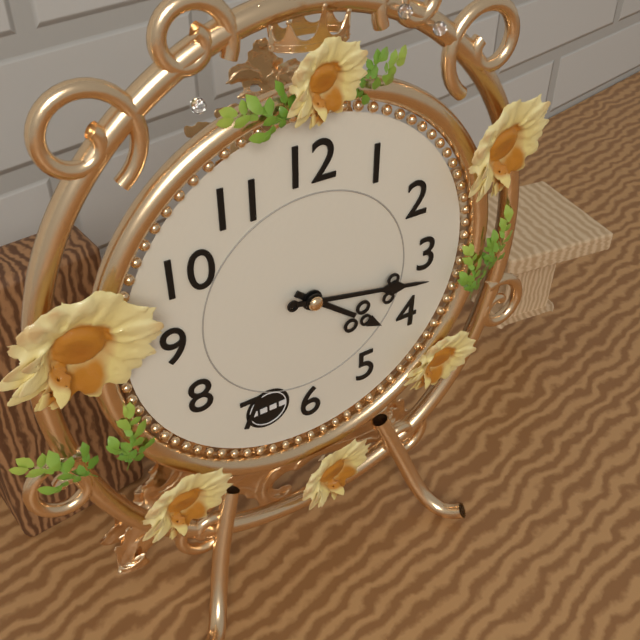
h=4 m=17
